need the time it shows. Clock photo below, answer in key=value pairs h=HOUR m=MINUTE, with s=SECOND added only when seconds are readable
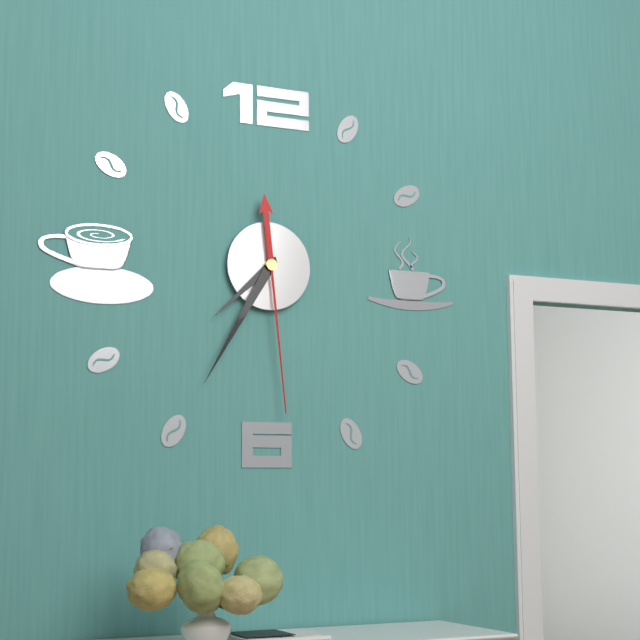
h=7 m=35 s=29
